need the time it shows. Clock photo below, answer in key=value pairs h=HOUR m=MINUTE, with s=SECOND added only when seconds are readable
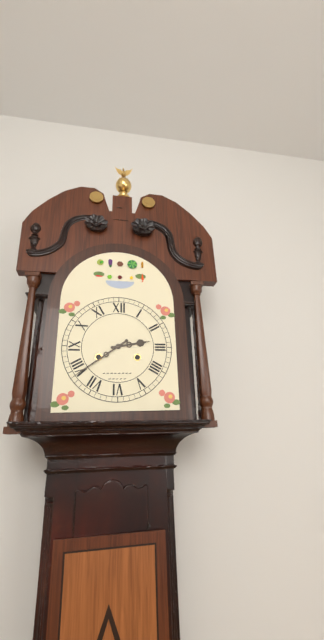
h=2 m=39
